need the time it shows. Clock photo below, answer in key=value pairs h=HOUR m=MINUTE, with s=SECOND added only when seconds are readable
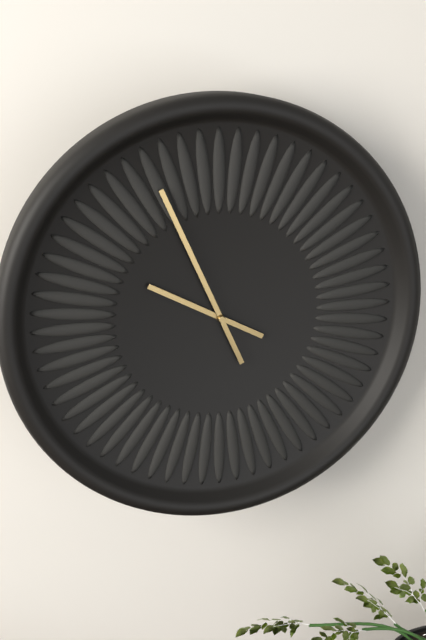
h=9 m=56
